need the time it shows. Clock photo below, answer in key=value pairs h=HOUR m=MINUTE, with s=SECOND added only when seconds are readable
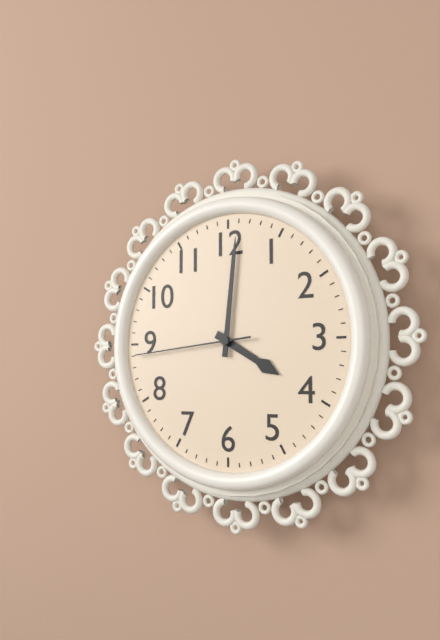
h=4 m=1 s=44
